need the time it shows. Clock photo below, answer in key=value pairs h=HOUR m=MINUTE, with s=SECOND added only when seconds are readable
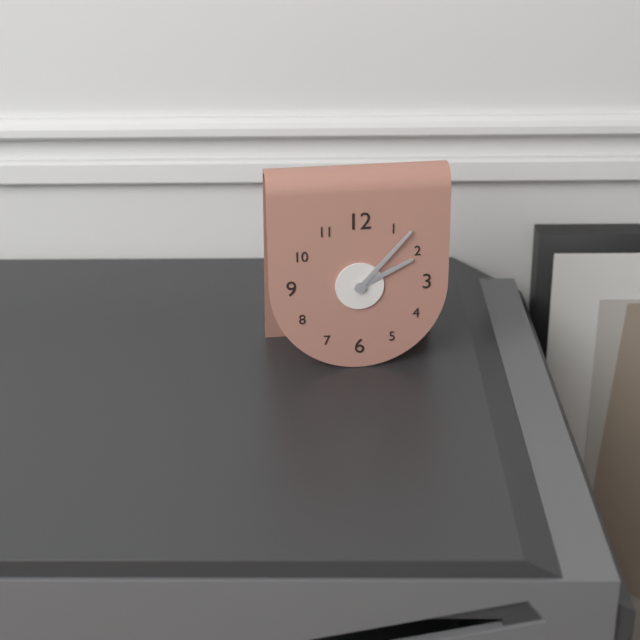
h=2 m=7
